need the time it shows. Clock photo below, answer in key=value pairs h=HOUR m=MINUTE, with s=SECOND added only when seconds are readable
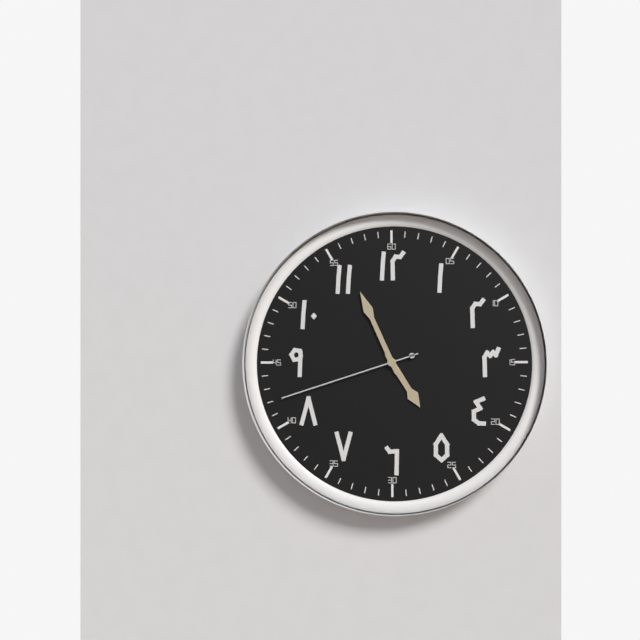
h=4 m=56 s=42
